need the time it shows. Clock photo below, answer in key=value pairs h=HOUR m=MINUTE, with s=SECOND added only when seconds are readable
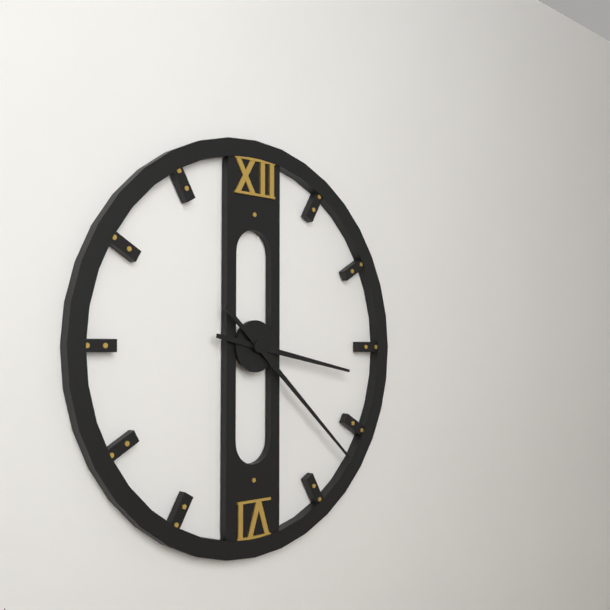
h=3 m=22
